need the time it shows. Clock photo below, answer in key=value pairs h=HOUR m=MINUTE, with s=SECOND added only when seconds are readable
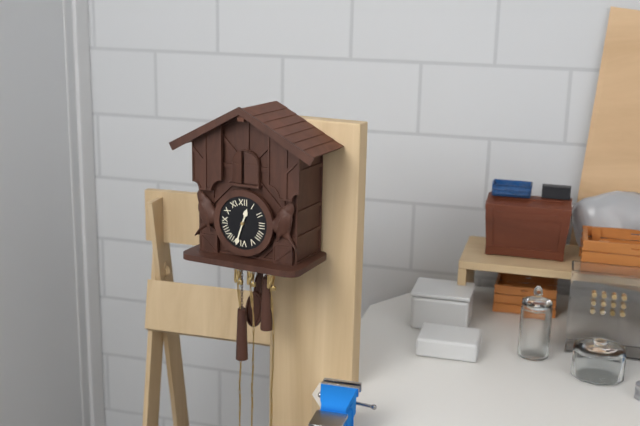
h=12 m=33
